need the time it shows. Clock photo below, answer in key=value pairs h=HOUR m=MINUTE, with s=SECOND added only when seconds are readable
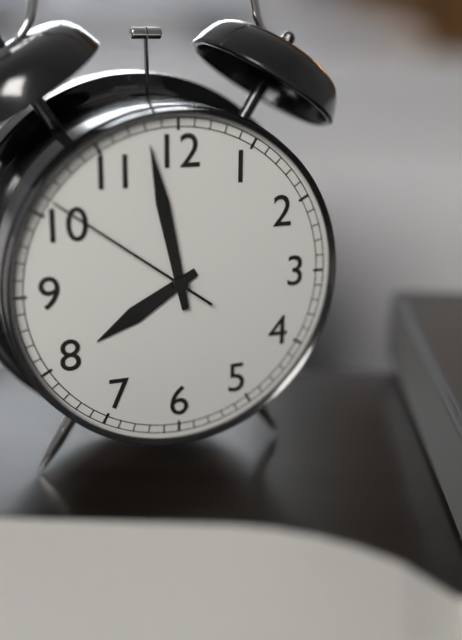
h=7 m=58 s=51
